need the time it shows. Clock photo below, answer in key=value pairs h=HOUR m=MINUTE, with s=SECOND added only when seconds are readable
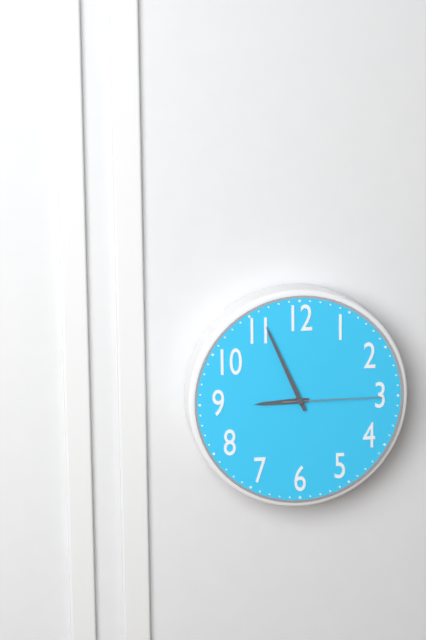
h=8 m=56 s=15
